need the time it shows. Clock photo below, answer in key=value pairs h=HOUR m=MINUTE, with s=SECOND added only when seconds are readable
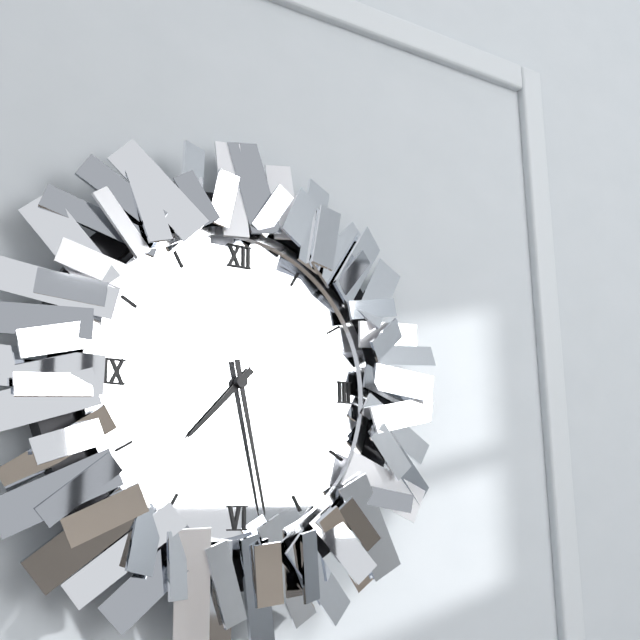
h=7 m=28
